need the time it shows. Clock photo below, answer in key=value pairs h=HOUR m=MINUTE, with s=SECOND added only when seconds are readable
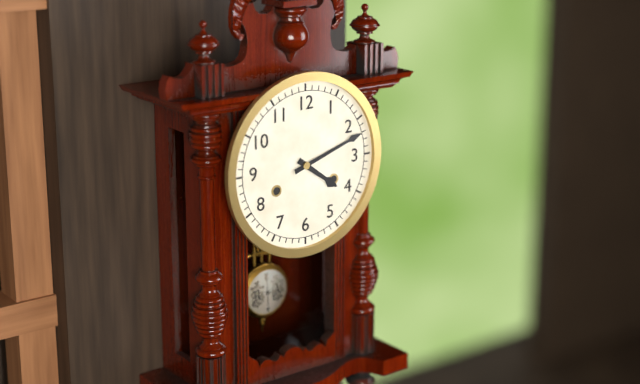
h=4 m=12
